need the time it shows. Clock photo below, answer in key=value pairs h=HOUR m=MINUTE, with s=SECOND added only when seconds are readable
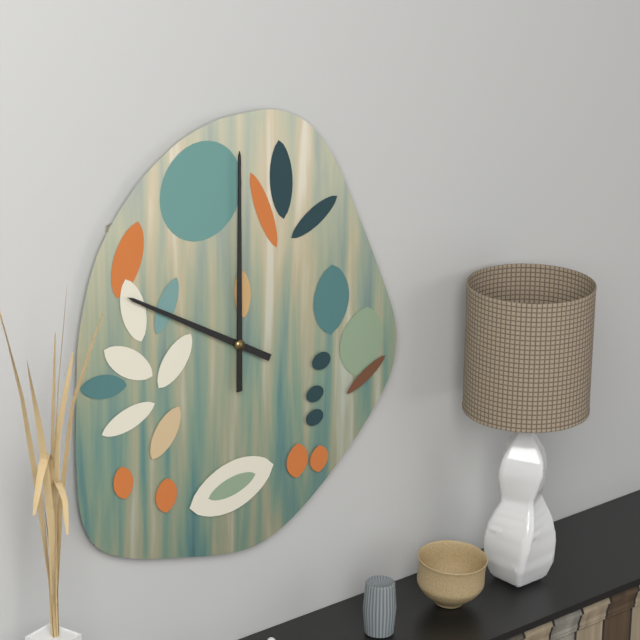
h=10 m=0
